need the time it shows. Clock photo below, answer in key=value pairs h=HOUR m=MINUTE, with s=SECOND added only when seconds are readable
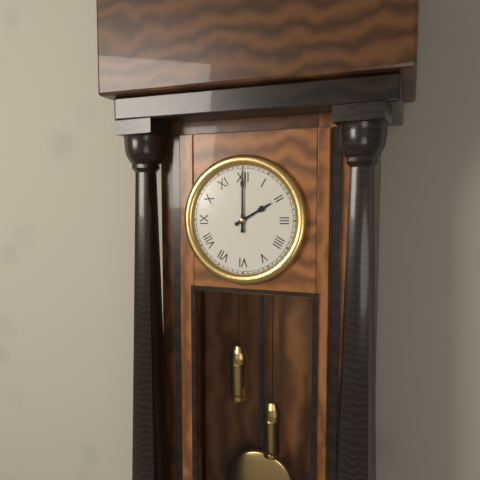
h=2 m=0
